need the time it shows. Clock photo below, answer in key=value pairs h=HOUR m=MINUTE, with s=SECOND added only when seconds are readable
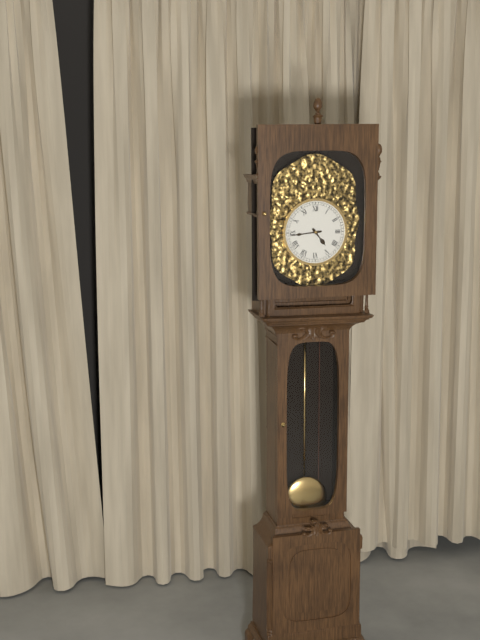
h=4 m=44
